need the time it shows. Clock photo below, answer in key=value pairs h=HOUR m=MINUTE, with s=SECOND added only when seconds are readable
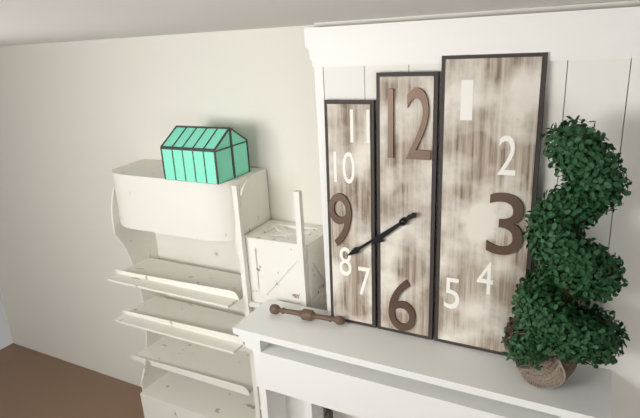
h=7 m=39
